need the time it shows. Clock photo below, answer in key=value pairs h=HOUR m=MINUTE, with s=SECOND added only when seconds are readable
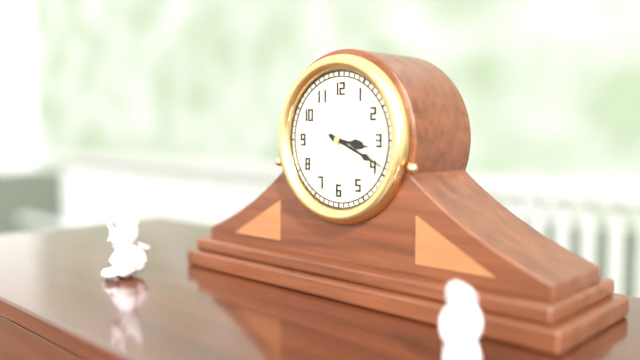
h=3 m=19
